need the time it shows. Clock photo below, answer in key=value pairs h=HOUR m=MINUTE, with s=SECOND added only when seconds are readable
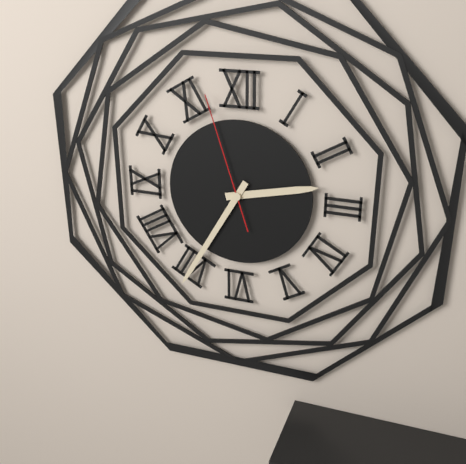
h=2 m=35 s=57
